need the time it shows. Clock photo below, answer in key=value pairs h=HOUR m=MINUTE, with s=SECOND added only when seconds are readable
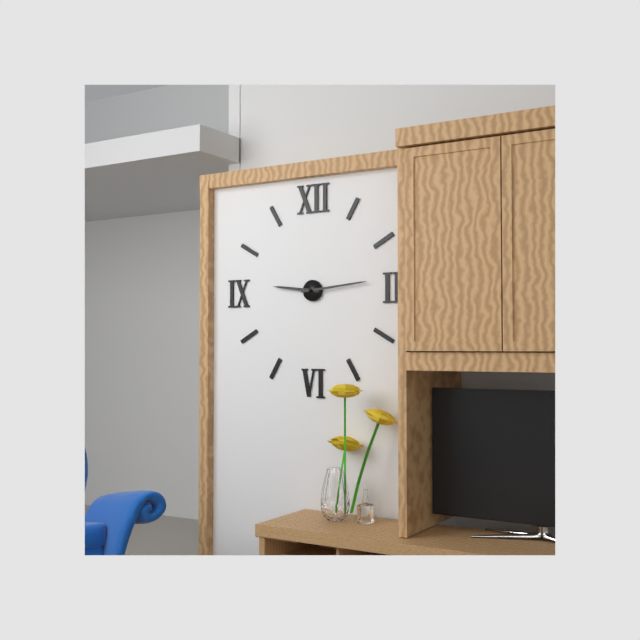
h=9 m=14
